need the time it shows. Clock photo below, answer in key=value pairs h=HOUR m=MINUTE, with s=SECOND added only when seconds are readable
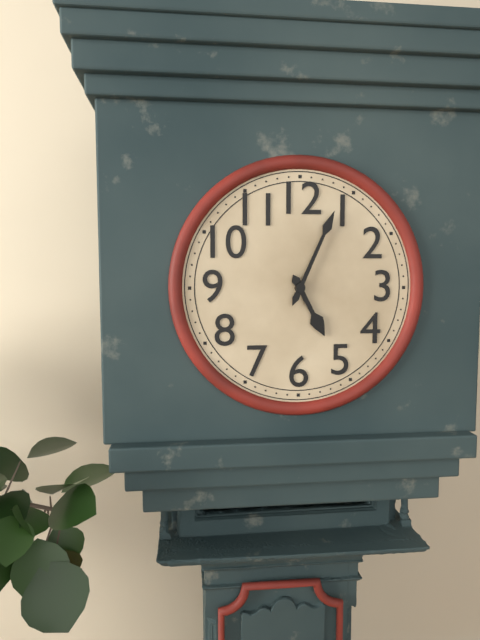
h=5 m=4
